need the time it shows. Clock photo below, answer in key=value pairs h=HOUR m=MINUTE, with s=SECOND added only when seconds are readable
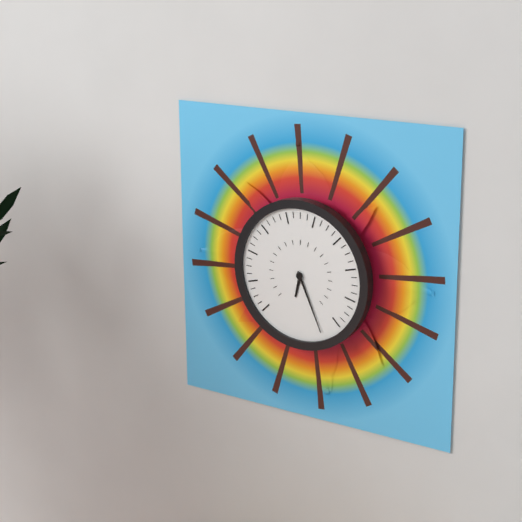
h=6 m=26
